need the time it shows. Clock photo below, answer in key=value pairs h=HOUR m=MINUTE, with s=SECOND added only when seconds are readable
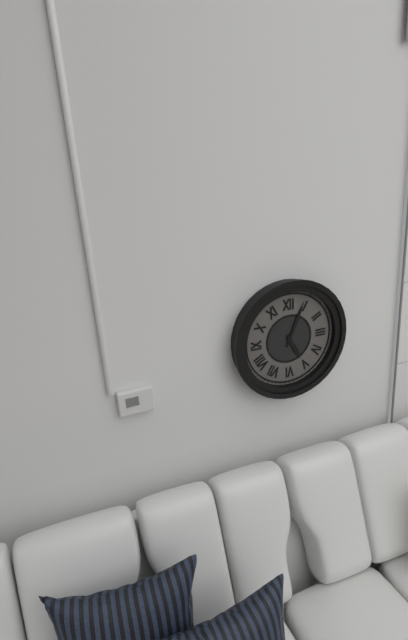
h=5 m=4
